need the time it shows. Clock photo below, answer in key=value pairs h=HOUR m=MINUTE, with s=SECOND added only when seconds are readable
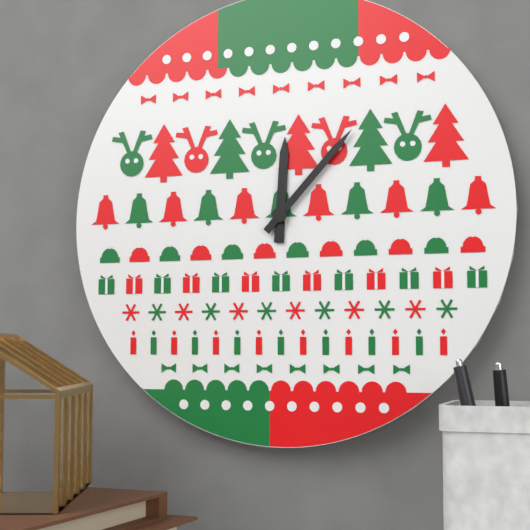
h=12 m=7
